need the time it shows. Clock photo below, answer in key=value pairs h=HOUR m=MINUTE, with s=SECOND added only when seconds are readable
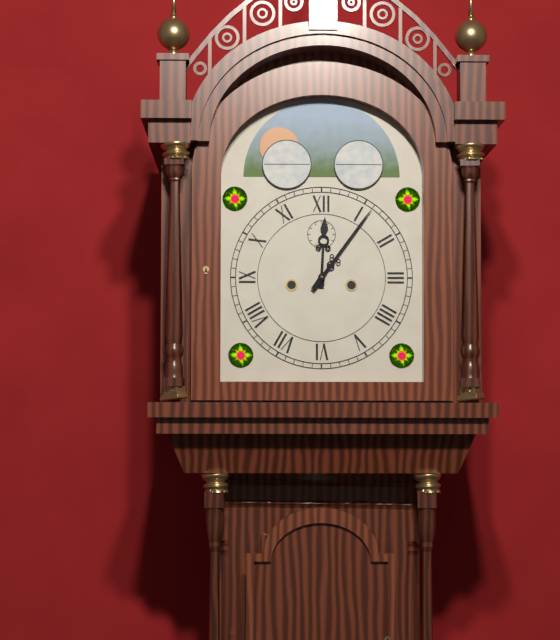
h=12 m=6
